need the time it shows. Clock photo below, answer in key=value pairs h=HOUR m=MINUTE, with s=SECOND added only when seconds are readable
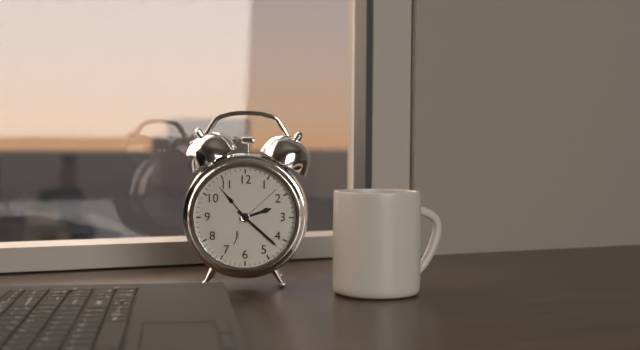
h=2 m=22
